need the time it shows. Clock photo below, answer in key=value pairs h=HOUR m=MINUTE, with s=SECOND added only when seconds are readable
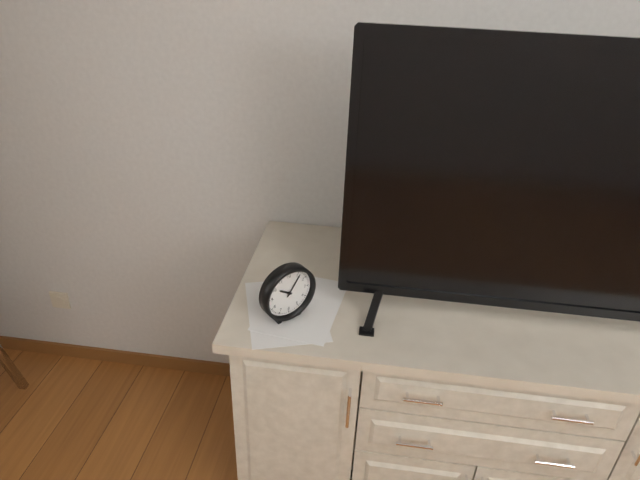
h=10 m=6
